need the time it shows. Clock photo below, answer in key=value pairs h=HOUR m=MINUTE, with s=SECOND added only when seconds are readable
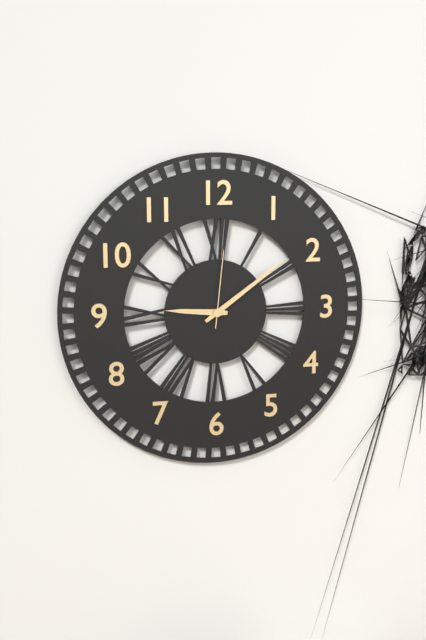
h=9 m=9 s=1
